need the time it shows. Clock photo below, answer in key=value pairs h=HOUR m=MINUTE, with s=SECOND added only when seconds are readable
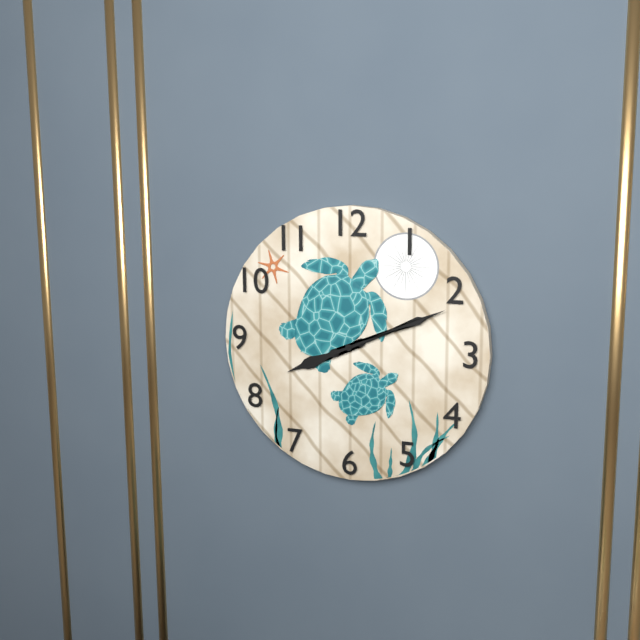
h=8 m=11
